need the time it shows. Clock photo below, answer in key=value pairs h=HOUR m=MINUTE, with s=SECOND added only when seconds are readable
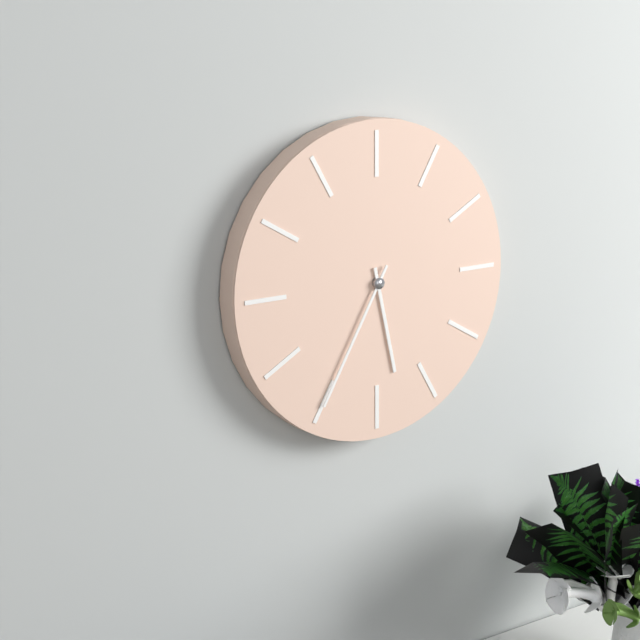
h=5 m=35
